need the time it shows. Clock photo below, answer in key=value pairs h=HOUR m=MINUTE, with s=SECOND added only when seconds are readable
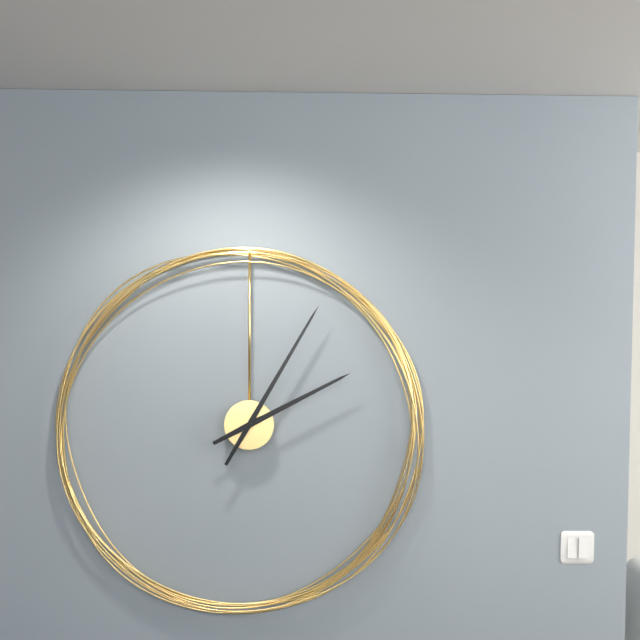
h=2 m=5
